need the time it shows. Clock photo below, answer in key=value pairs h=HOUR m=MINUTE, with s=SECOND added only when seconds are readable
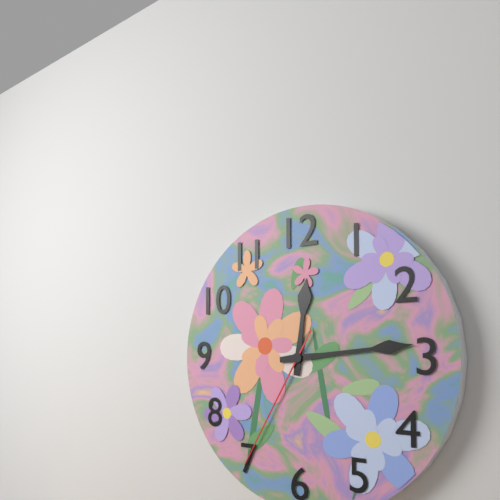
h=12 m=14 s=35
